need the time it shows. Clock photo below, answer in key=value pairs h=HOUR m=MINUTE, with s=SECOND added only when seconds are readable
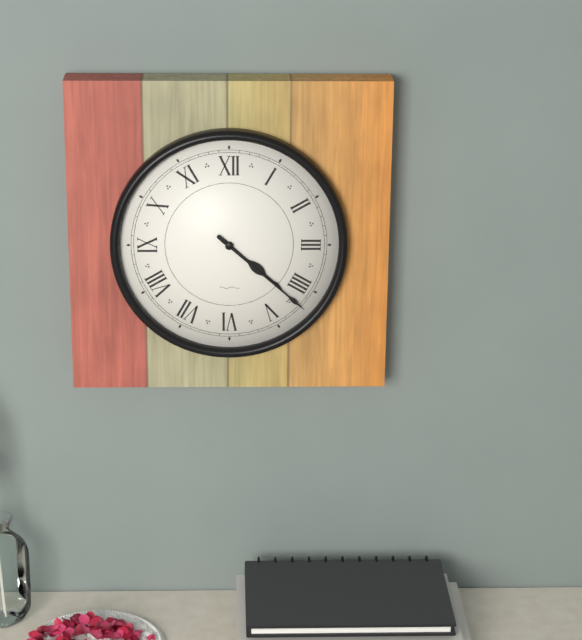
h=4 m=22
